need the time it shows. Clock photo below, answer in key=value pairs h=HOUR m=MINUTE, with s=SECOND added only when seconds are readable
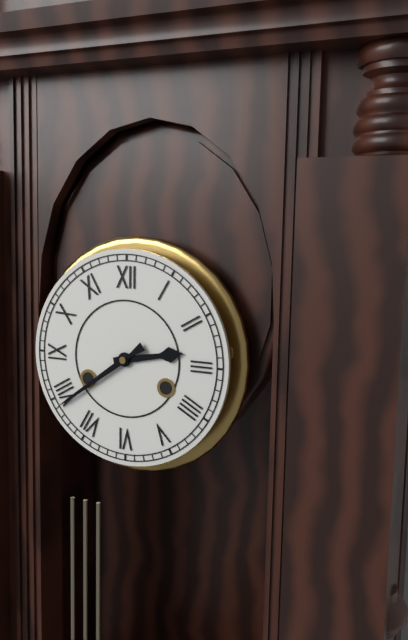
h=2 m=39
